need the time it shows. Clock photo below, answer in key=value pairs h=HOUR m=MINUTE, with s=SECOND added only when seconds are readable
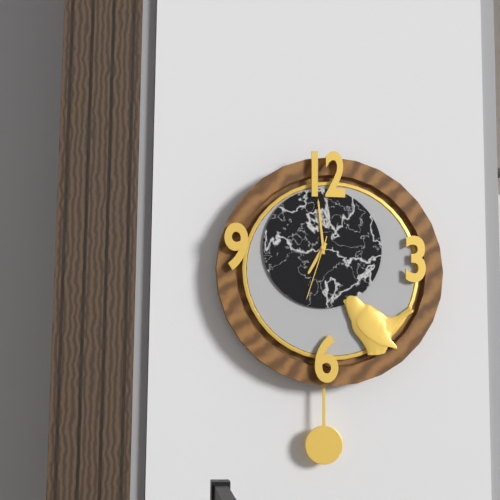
h=6 m=59 s=33
